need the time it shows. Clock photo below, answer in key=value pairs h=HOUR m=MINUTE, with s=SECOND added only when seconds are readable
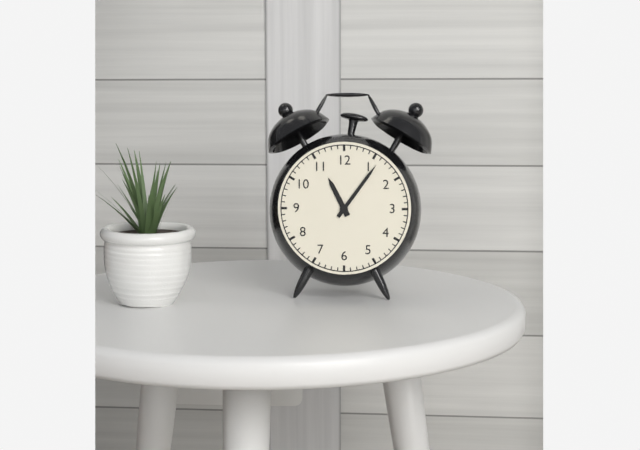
h=11 m=6
